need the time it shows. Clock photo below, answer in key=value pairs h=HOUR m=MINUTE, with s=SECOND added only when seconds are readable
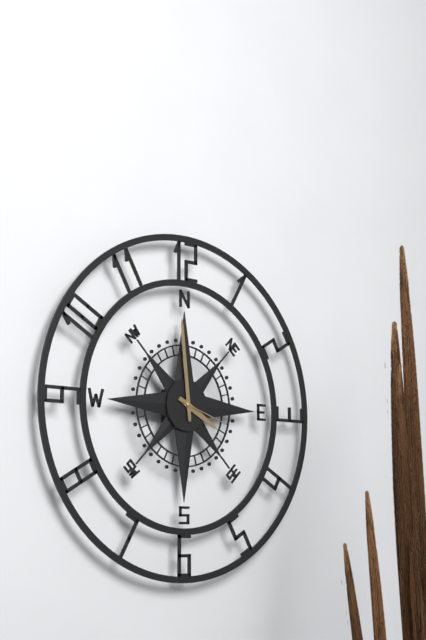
h=3 m=59 s=18
